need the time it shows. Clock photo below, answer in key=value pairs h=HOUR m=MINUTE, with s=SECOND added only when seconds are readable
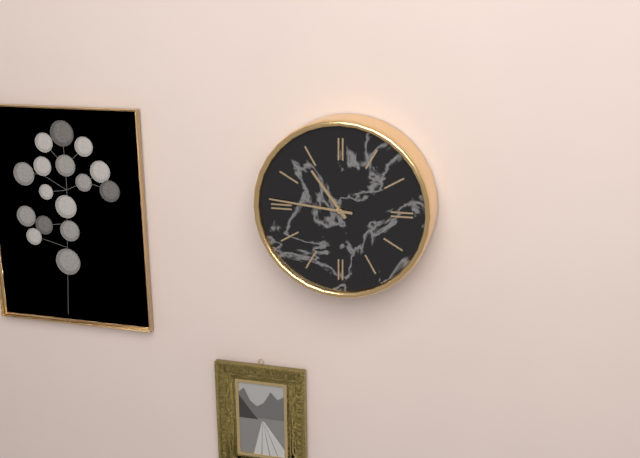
h=10 m=46
